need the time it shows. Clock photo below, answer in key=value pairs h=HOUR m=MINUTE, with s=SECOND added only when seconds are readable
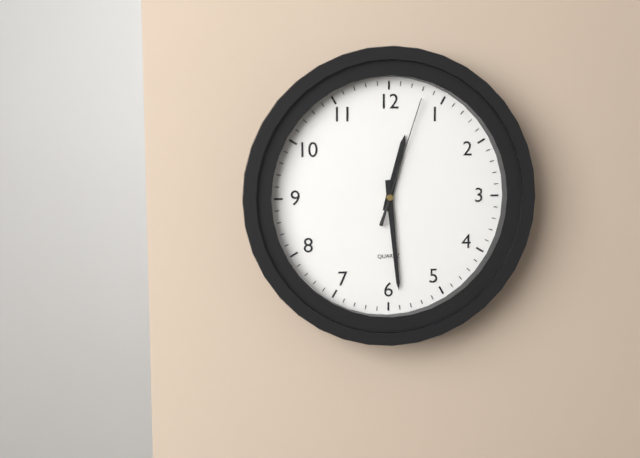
h=12 m=29 s=3
